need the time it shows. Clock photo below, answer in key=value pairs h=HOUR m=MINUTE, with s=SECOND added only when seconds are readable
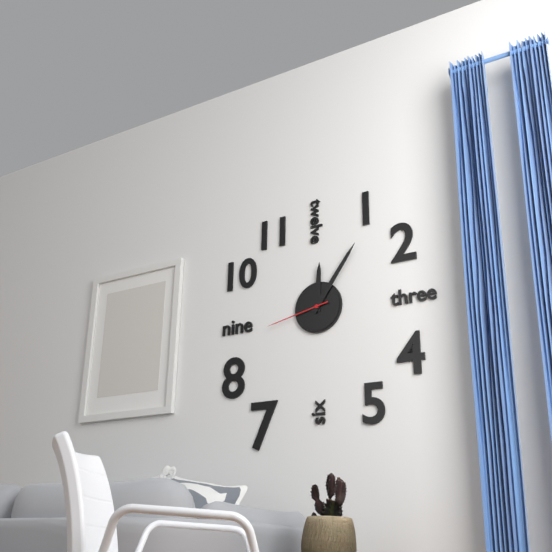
h=12 m=6 s=43
